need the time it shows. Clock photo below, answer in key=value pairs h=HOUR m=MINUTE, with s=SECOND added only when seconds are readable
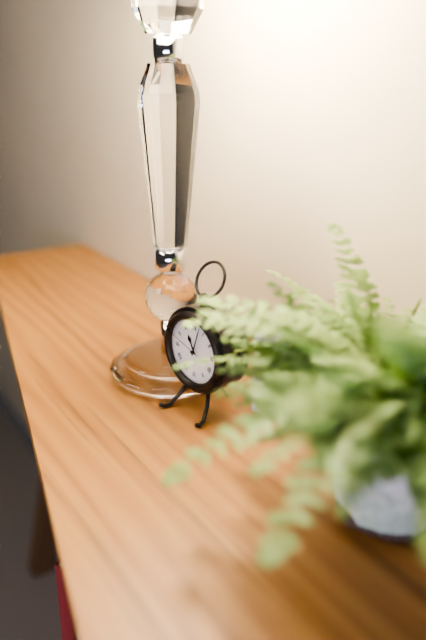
h=11 m=3
